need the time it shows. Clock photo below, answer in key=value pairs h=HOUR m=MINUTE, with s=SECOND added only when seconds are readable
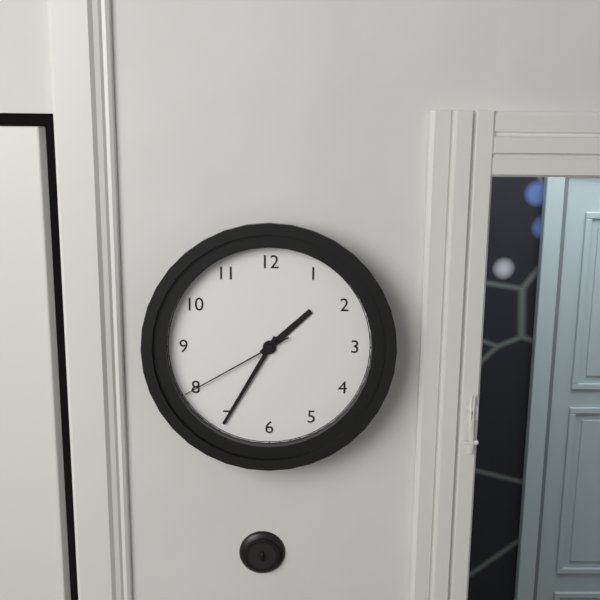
h=1 m=35 s=40
